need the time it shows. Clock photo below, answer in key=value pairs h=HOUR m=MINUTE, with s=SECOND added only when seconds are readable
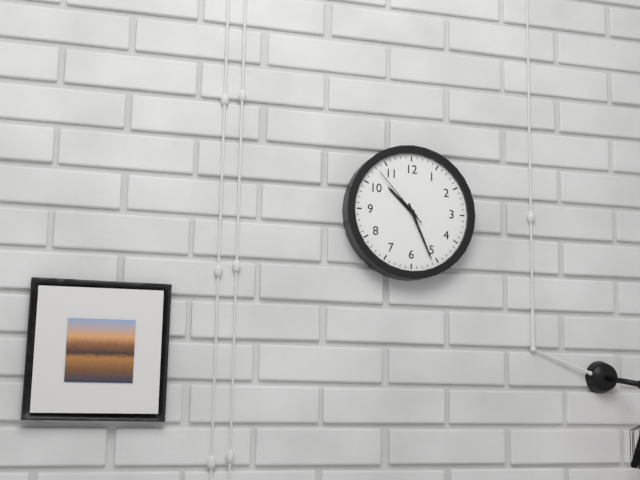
h=10 m=26 s=53
